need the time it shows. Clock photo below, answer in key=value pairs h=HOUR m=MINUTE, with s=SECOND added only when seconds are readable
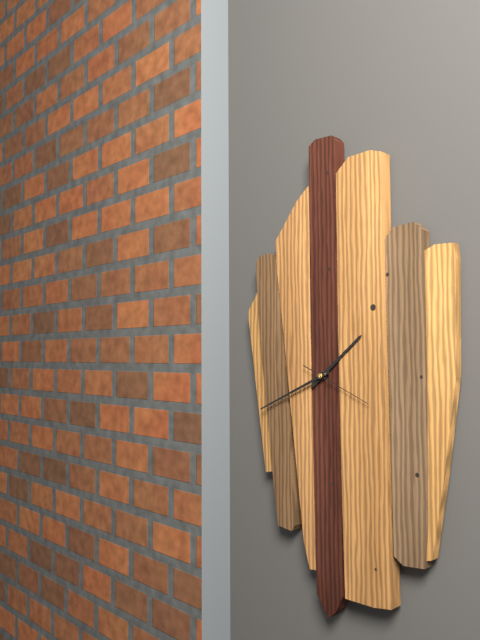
h=1 m=41 s=19
